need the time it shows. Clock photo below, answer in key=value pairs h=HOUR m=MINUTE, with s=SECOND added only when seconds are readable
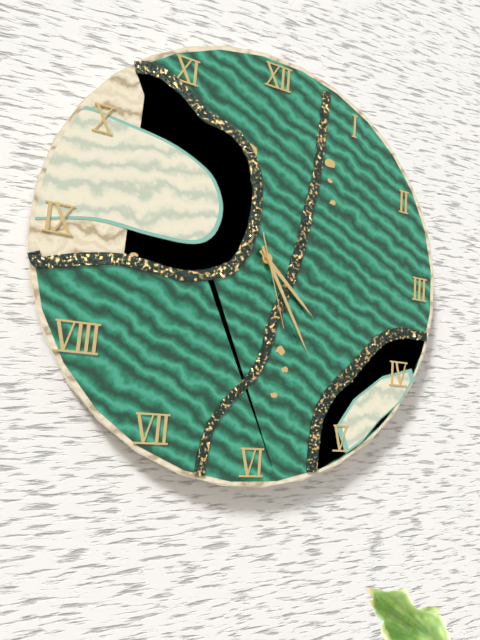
h=4 m=25 s=27
